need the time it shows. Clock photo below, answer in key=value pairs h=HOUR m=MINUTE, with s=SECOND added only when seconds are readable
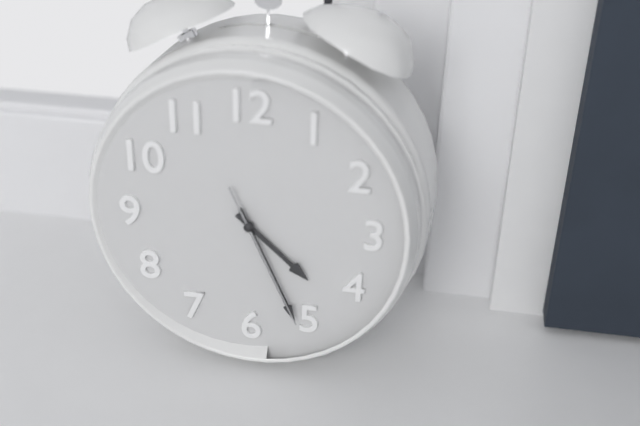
h=4 m=26 s=26
